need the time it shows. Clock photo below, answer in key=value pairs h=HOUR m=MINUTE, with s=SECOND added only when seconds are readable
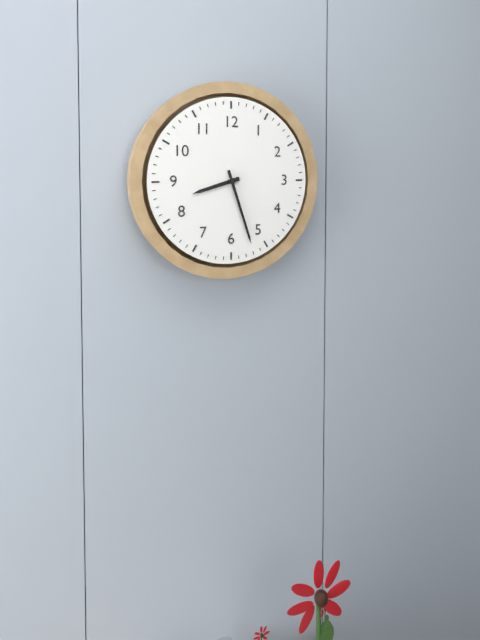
h=8 m=27
